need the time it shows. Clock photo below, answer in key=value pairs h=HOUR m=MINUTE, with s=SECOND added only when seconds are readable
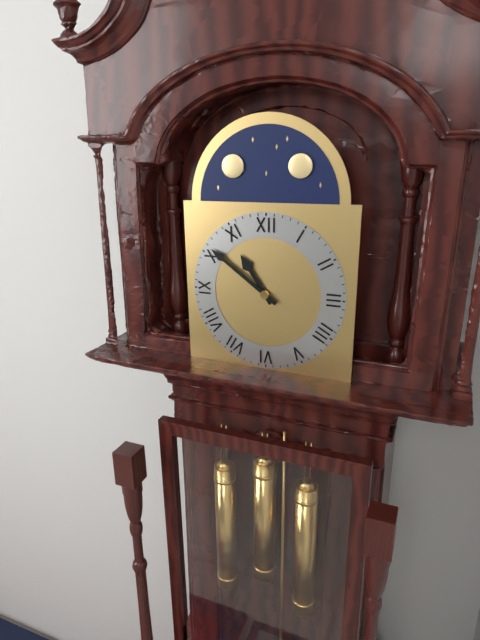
h=10 m=51
